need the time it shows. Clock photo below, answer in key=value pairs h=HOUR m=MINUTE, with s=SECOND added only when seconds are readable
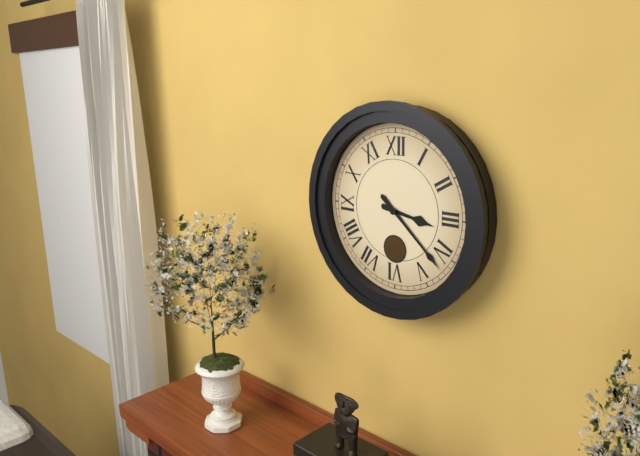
h=3 m=22
